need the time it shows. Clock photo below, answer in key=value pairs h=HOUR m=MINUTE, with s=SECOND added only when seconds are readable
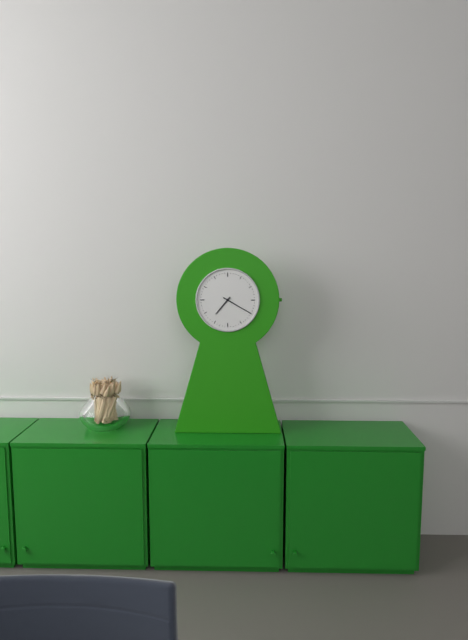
h=7 m=20
